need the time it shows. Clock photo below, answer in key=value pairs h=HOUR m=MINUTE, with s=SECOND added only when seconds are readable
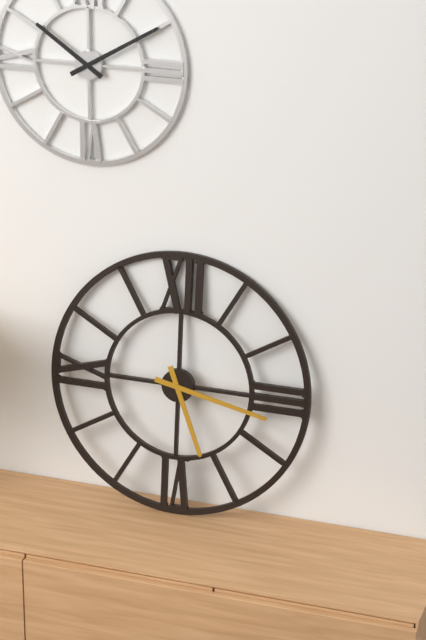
h=5 m=17
